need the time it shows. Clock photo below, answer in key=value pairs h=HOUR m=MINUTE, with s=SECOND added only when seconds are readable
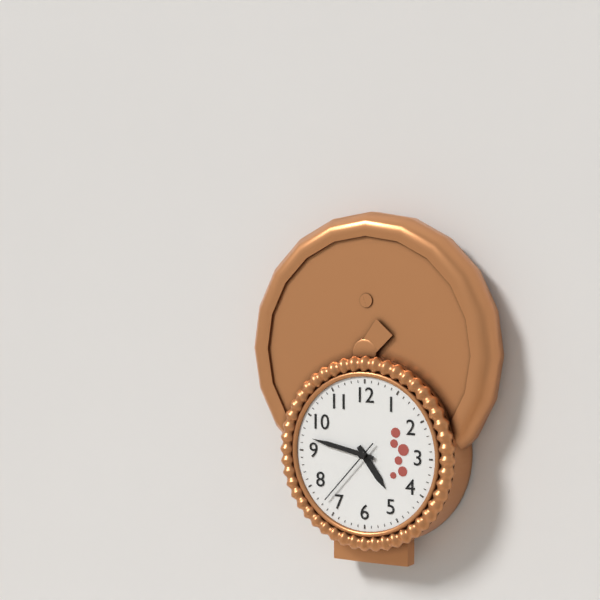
h=4 m=47 s=37
